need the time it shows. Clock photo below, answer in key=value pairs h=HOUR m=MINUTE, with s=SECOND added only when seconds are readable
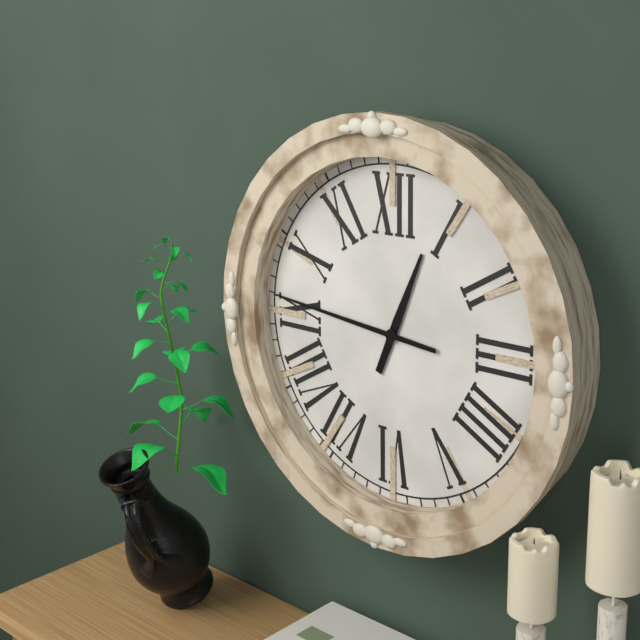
h=12 m=46
